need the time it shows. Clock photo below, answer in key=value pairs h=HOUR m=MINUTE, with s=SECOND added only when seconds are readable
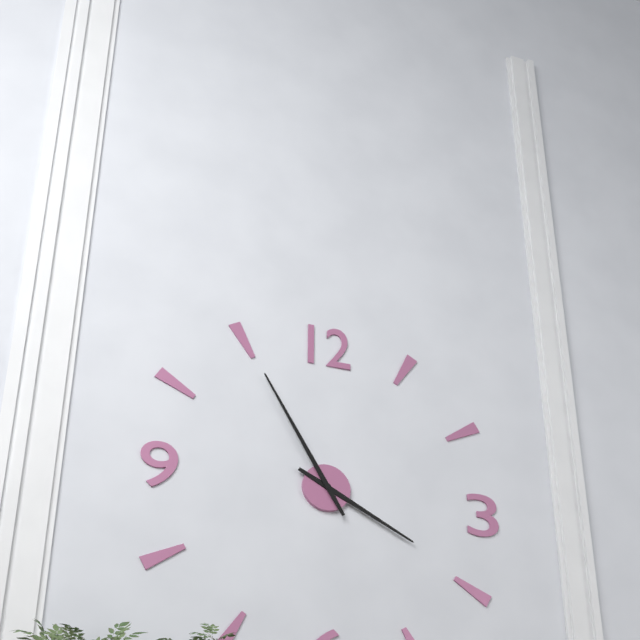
h=3 m=55
